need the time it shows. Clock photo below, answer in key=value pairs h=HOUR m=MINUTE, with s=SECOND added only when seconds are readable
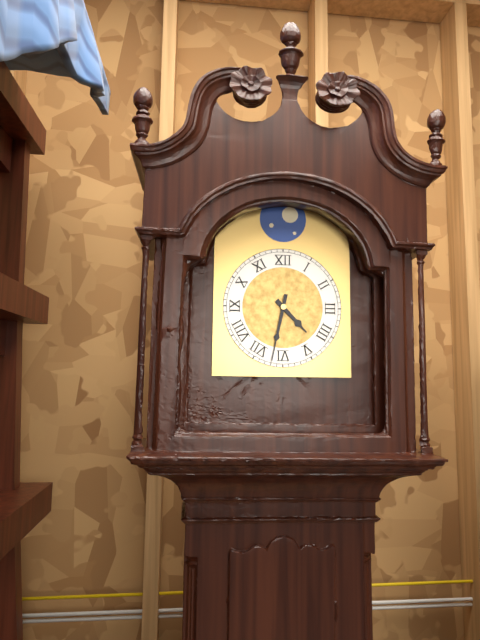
h=4 m=32
